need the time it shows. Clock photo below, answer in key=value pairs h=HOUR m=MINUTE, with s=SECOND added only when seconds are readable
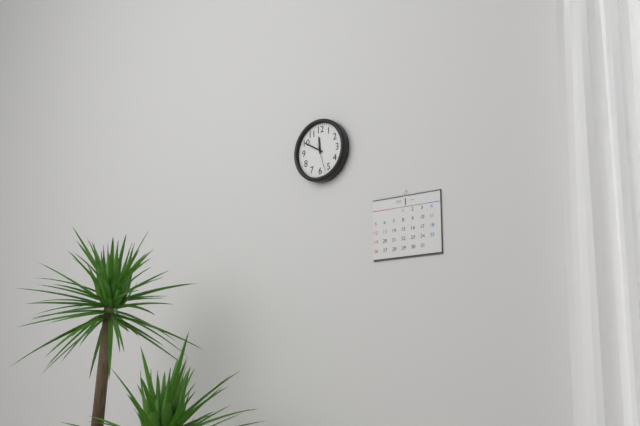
h=11 m=50
